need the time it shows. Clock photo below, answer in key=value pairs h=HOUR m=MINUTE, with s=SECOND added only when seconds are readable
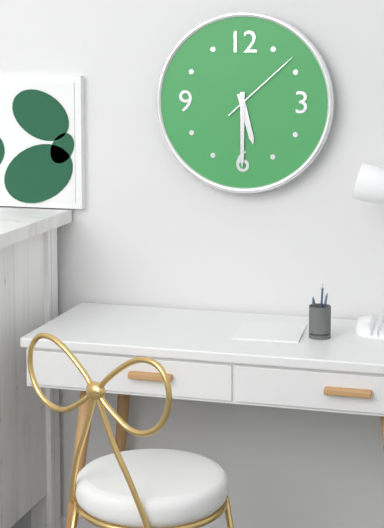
h=5 m=30 s=8
